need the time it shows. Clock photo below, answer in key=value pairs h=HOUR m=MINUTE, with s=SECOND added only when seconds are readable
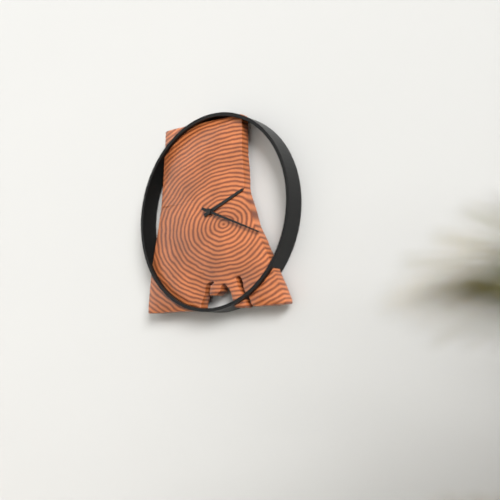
h=2 m=19
